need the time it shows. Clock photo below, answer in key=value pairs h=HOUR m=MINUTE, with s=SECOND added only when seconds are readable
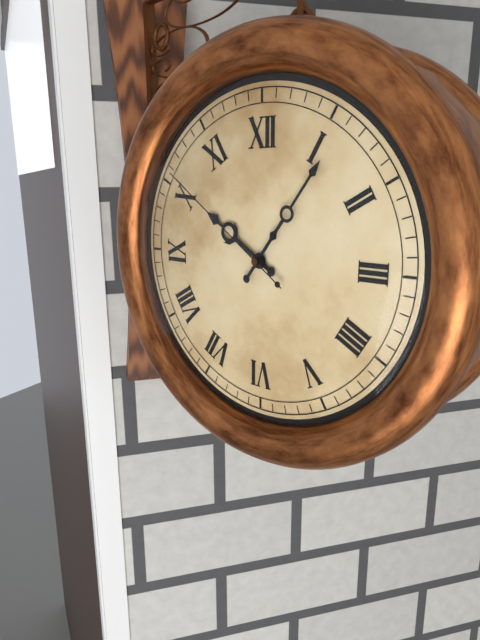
h=10 m=6 s=51
